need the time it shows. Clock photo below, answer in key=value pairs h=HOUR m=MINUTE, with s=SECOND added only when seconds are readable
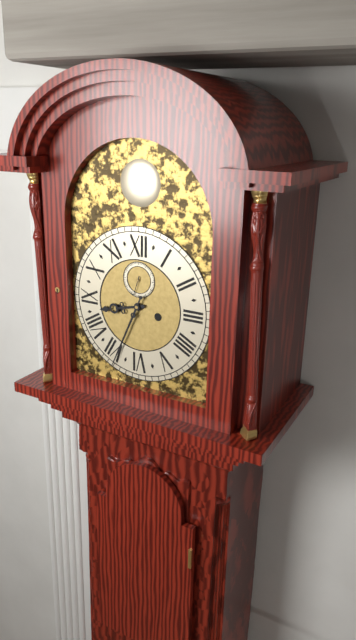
h=8 m=34
